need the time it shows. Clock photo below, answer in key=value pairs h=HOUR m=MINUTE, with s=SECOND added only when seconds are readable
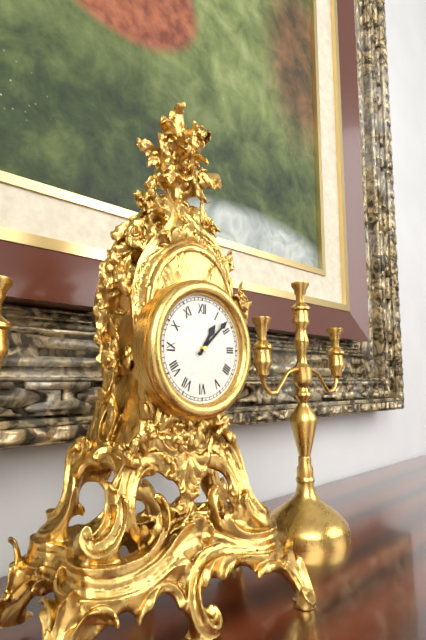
h=1 m=8
